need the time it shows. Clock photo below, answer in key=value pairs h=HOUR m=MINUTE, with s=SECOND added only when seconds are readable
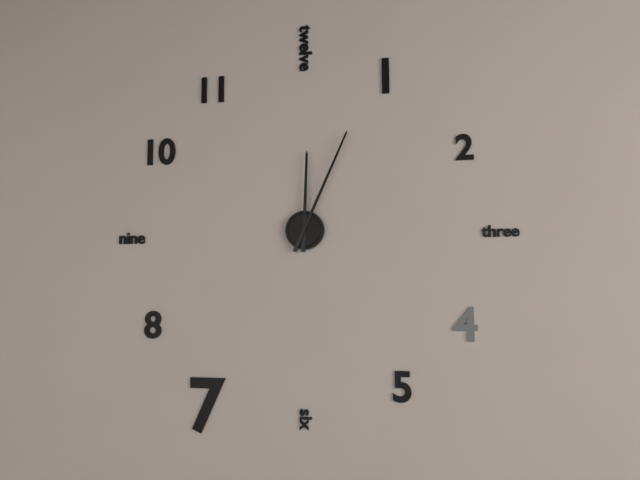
h=12 m=4
